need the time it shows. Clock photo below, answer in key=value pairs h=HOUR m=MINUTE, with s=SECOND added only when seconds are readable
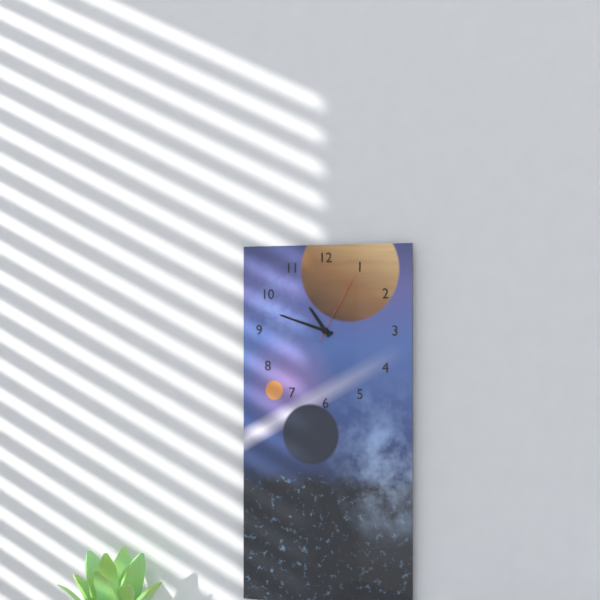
h=10 m=48 s=5
